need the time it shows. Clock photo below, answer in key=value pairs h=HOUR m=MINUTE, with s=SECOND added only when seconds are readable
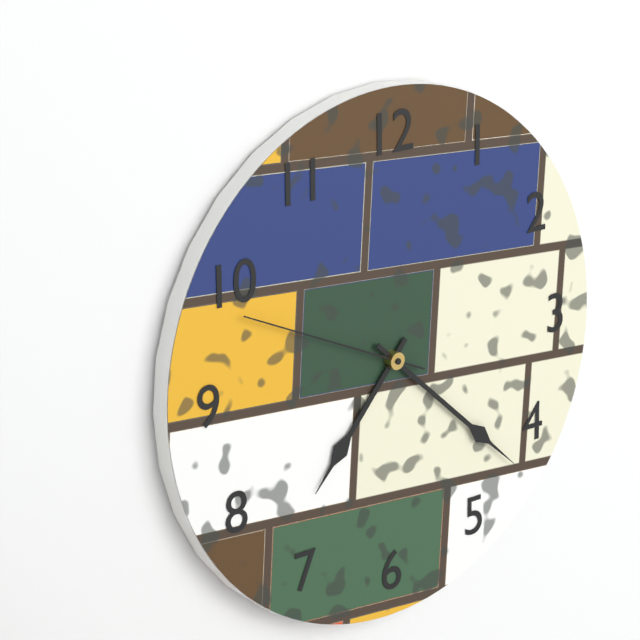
h=7 m=22 s=49
